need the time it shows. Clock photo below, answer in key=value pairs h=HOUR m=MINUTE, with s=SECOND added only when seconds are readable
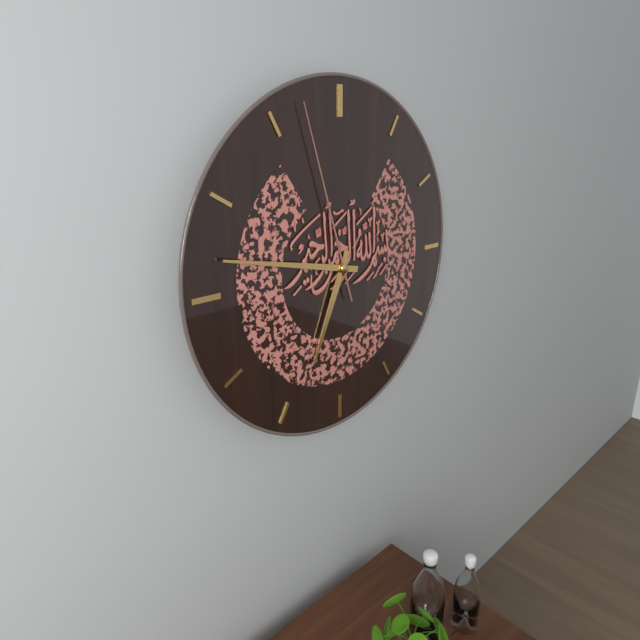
h=6 m=47 s=57
